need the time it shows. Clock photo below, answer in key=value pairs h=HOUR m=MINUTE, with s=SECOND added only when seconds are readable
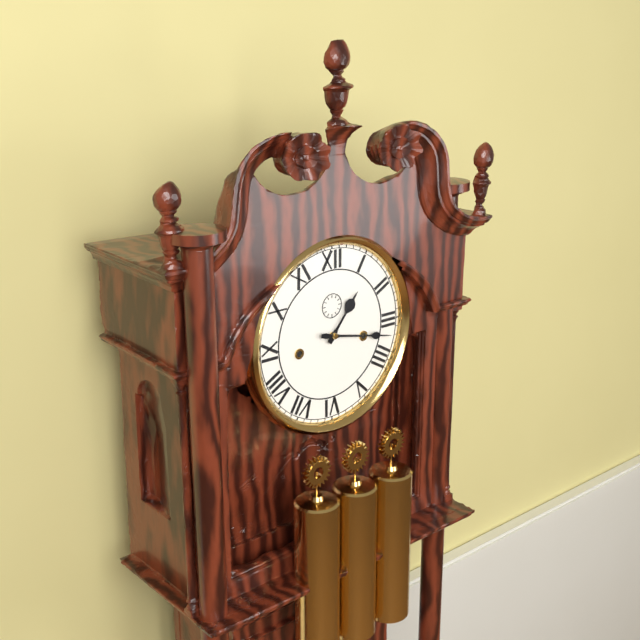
h=1 m=17
